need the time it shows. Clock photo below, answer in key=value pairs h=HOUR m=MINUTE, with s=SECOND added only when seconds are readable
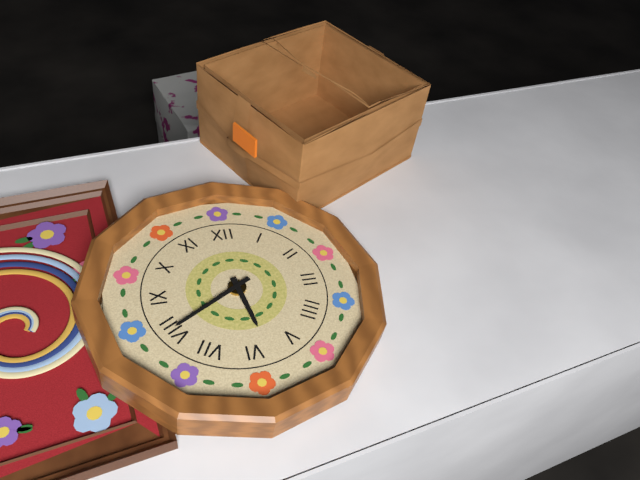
h=5 m=40
